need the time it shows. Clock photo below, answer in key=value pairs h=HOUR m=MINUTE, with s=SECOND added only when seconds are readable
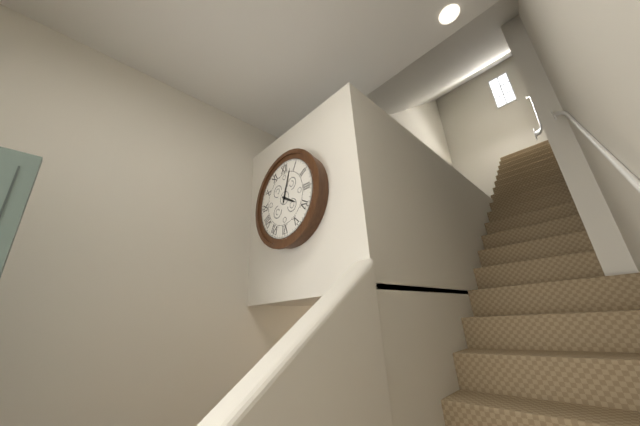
h=4 m=3
